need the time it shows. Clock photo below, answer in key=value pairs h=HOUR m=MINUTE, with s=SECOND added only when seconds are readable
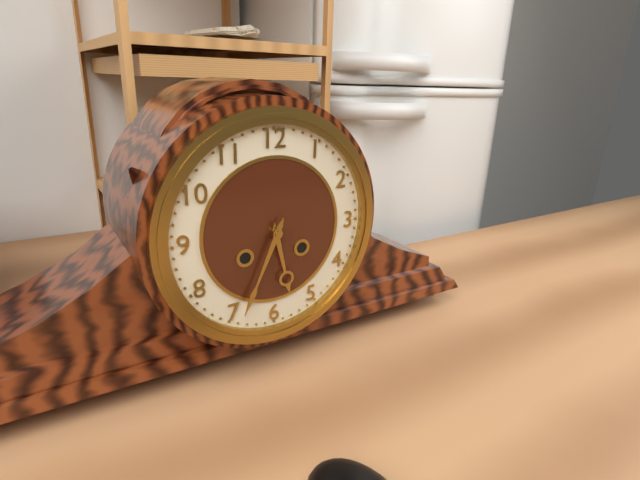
h=5 m=34
